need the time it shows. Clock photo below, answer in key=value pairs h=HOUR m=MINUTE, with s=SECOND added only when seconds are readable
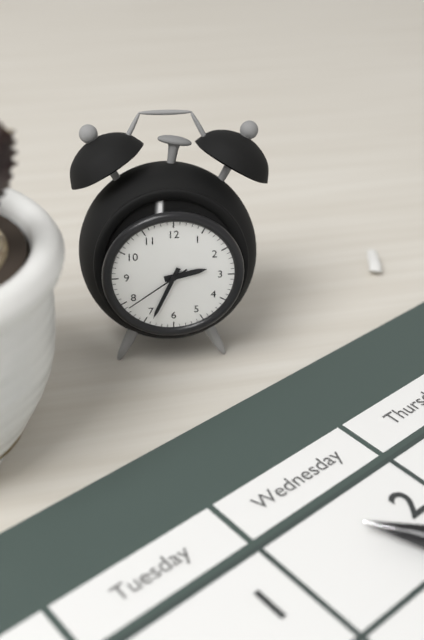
h=2 m=34 s=39
